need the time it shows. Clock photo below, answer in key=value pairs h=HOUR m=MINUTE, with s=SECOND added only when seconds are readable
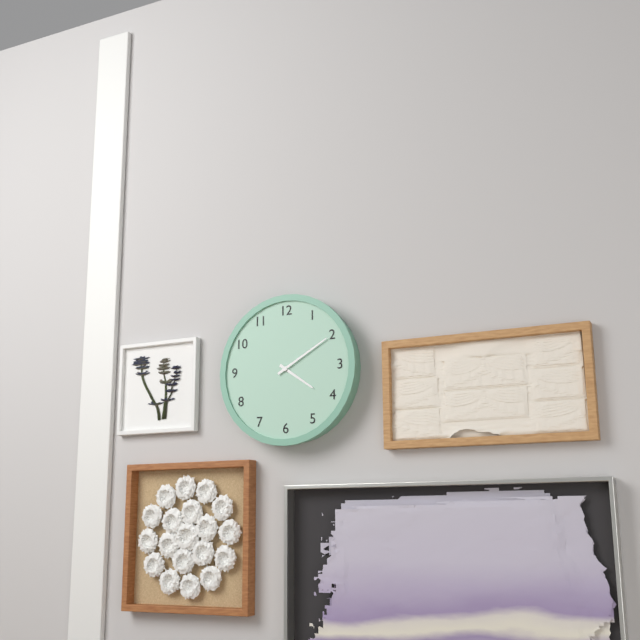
h=4 m=10
